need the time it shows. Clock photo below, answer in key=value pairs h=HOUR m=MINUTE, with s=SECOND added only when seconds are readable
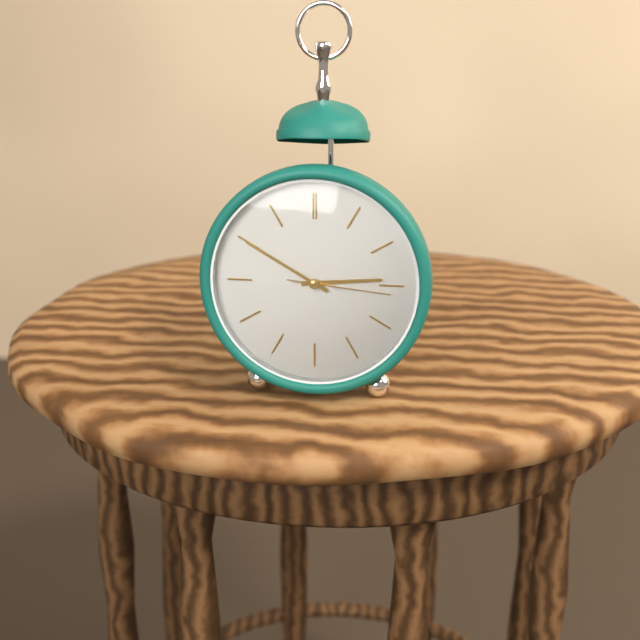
h=2 m=50 s=16
